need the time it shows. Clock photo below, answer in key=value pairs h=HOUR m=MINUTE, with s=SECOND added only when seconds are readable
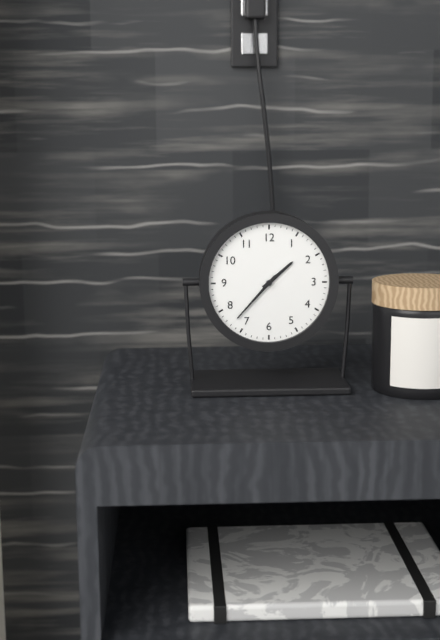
h=1 m=37
